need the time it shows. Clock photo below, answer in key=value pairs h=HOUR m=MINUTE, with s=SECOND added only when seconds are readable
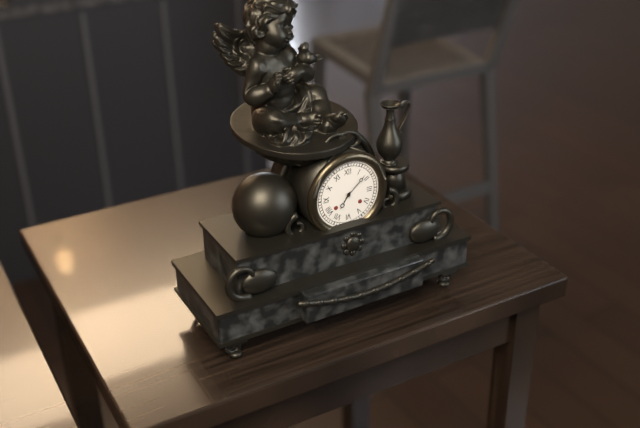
h=7 m=8
